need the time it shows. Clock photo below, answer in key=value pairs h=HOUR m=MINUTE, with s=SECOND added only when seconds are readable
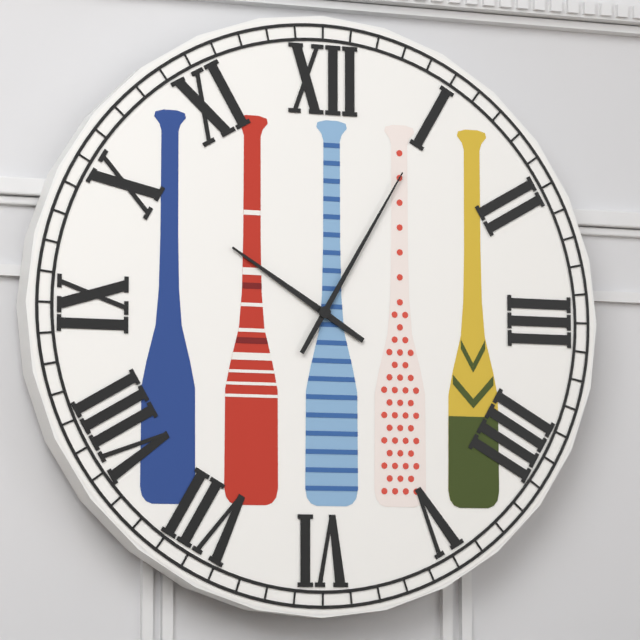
h=10 m=5
